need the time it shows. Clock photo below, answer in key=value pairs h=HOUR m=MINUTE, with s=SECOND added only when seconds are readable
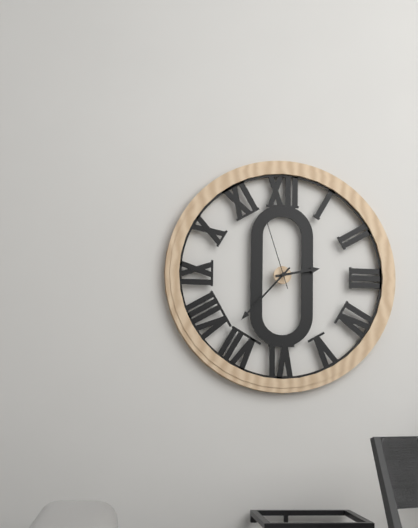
h=2 m=37 s=57
